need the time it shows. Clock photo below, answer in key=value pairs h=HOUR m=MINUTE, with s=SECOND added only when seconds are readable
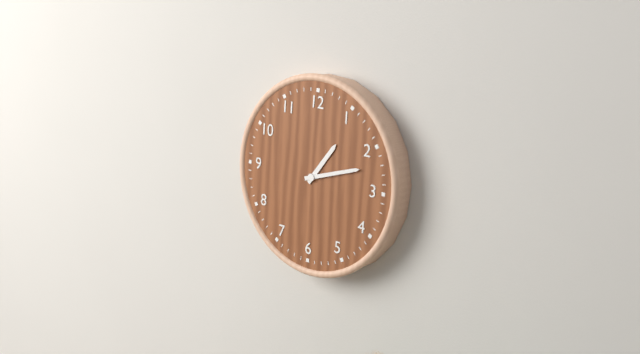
h=1 m=12
